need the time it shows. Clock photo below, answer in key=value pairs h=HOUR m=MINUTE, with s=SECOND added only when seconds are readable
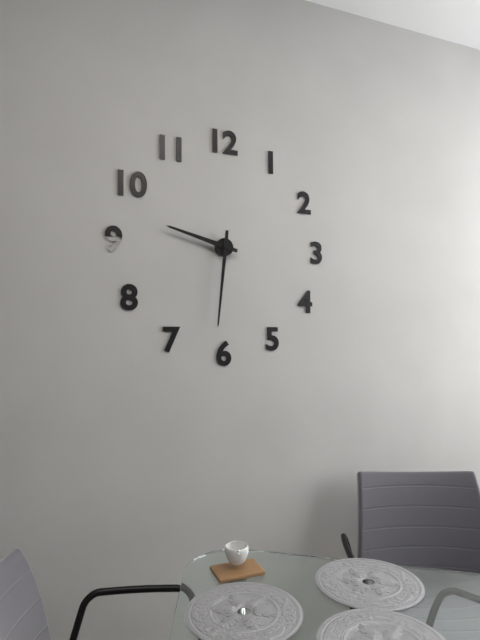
h=9 m=31
